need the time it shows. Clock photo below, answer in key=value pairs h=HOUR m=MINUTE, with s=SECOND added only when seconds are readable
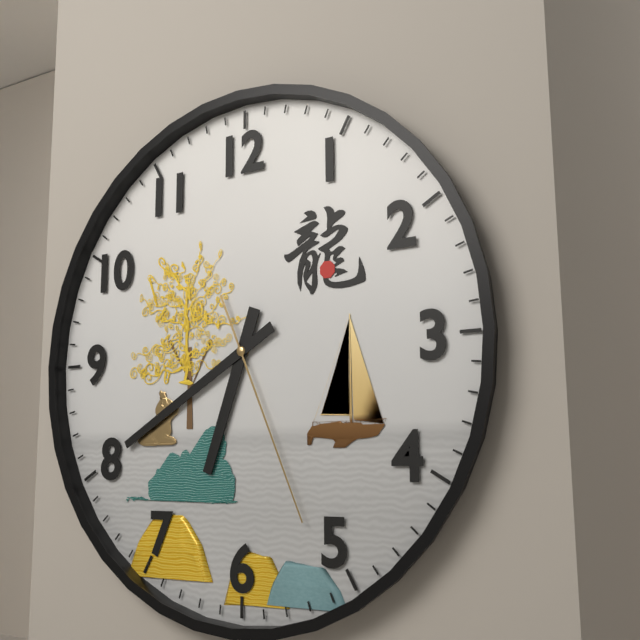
h=6 m=40 s=26
